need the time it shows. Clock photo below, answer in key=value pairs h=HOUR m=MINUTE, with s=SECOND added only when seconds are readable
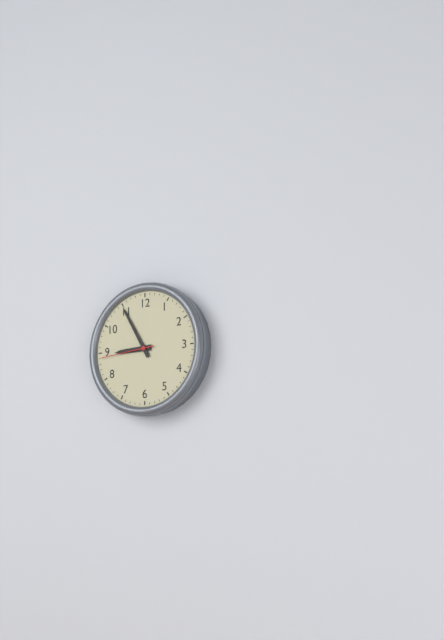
h=8 m=55 s=44
